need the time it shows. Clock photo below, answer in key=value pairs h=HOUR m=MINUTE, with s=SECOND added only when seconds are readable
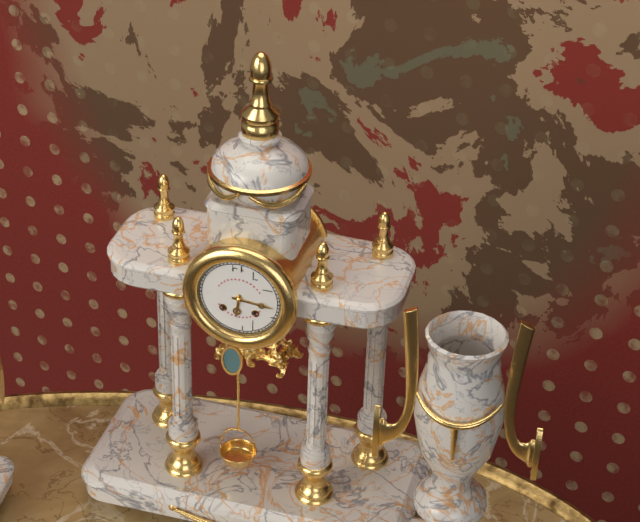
h=6 m=16
